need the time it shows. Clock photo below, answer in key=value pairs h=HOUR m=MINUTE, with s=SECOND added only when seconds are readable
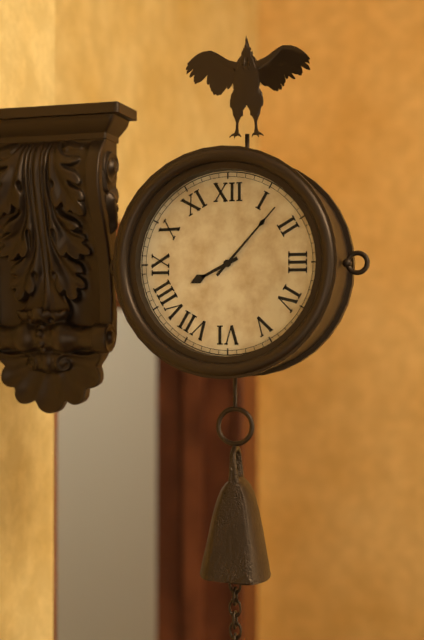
h=8 m=7
